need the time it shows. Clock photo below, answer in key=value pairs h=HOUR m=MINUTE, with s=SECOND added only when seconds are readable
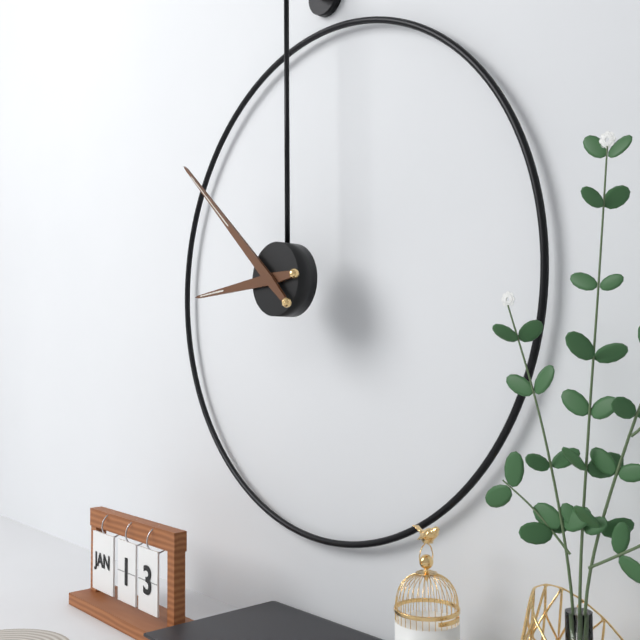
h=8 m=52
